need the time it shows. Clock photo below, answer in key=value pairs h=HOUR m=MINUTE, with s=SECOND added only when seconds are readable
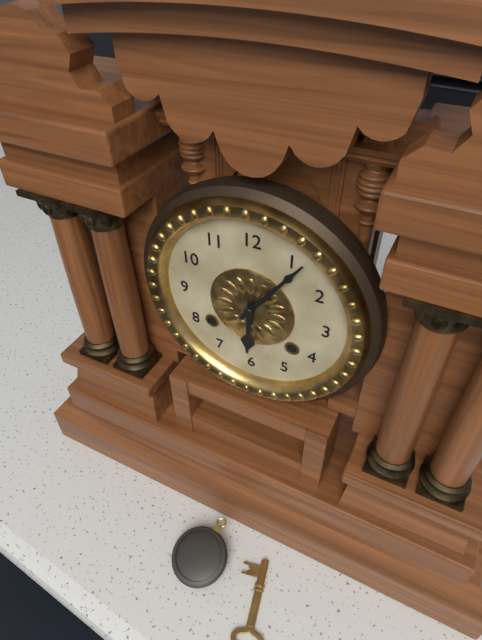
h=6 m=6
